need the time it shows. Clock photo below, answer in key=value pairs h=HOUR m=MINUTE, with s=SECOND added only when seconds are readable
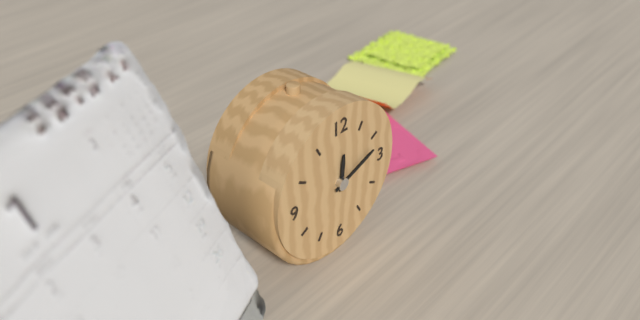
h=12 m=12
